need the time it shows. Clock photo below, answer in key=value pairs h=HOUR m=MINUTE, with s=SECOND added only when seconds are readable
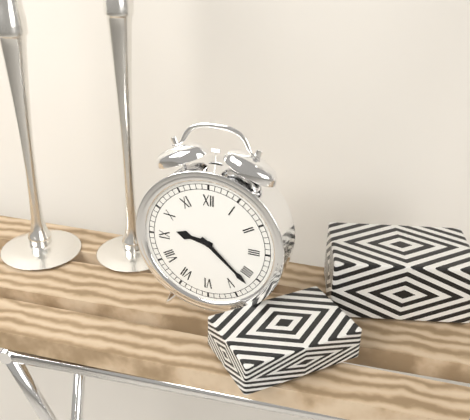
h=9 m=22
